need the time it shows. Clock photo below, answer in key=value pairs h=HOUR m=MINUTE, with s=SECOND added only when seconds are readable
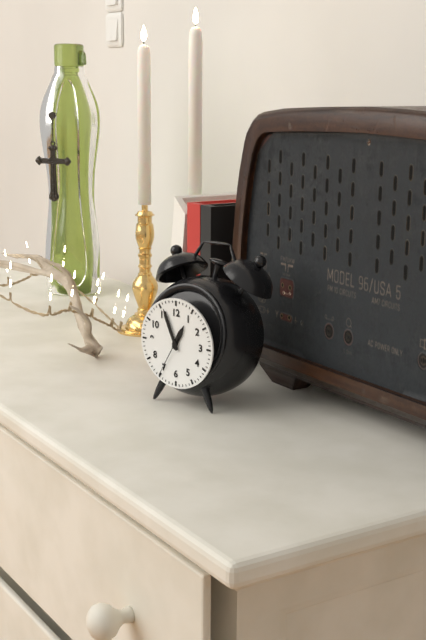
h=12 m=56
